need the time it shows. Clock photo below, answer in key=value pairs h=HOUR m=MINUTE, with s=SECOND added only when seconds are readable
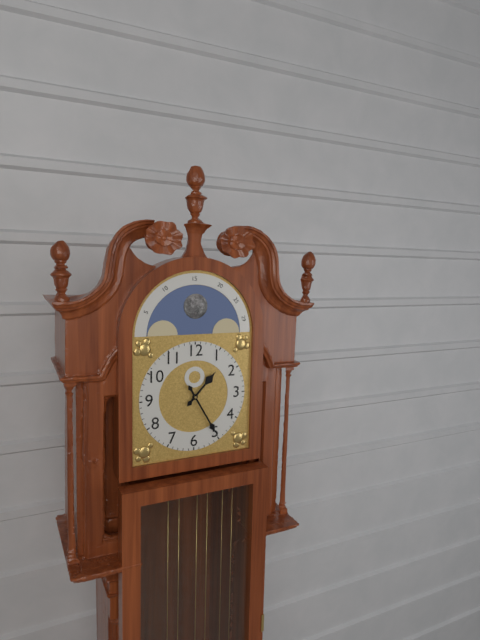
h=1 m=25
